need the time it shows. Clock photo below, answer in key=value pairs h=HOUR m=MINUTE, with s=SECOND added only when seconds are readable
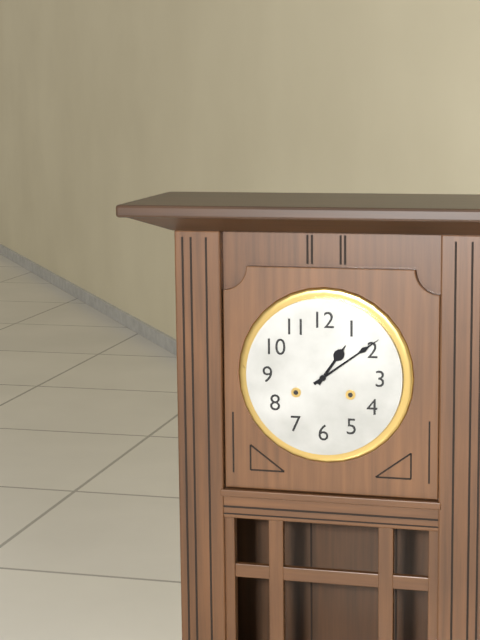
h=1 m=9
